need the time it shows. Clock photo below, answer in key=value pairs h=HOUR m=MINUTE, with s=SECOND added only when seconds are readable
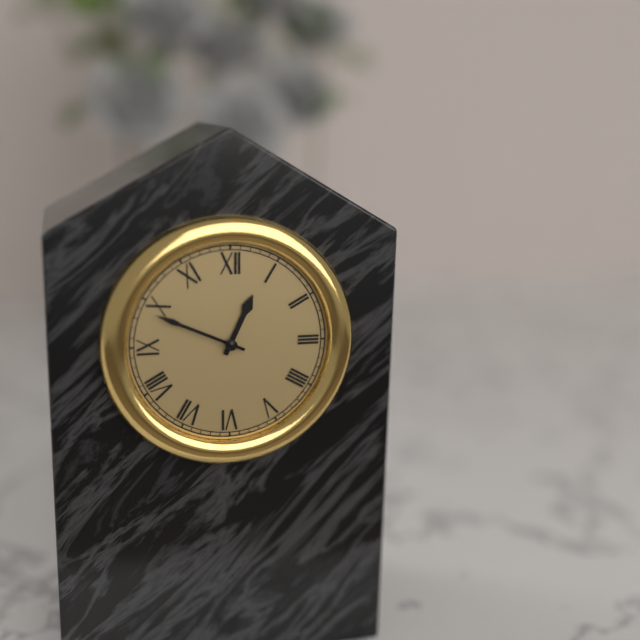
h=12 m=49
